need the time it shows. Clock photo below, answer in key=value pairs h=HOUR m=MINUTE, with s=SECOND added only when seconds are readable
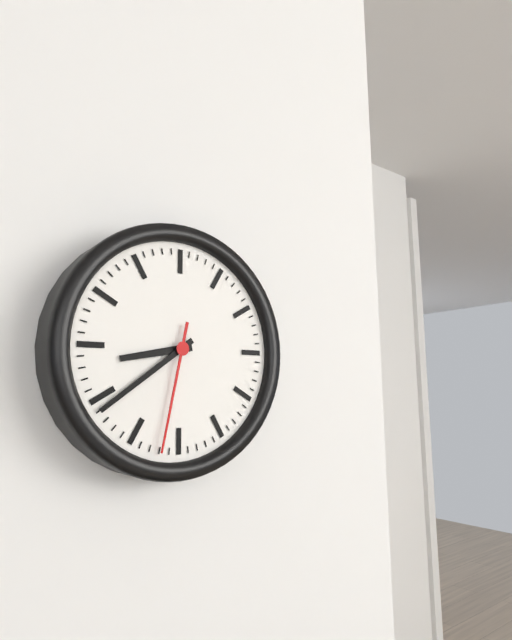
h=8 m=39 s=32
